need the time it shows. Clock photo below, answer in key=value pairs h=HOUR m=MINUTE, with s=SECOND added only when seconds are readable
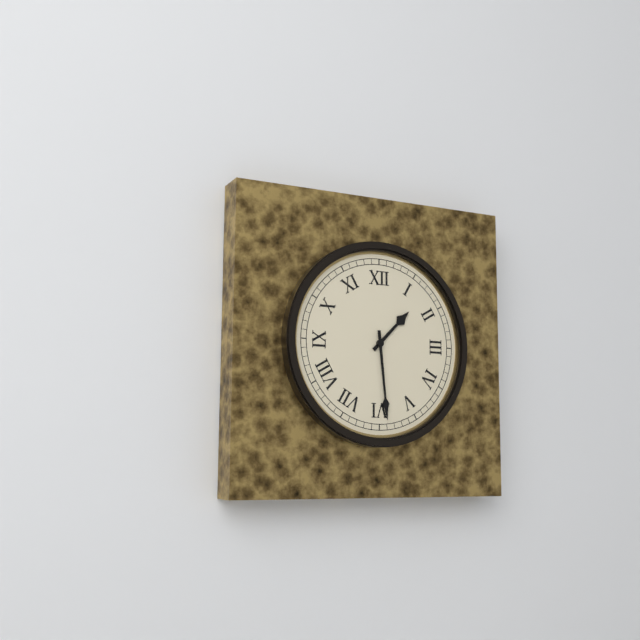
h=1 m=29
